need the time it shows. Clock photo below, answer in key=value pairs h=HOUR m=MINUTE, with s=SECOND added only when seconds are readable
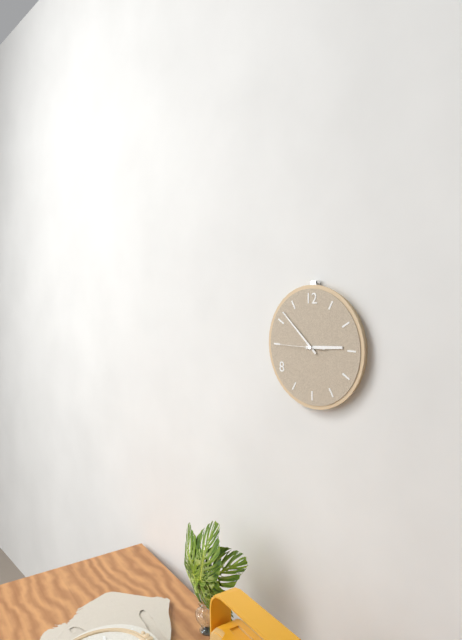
h=2 m=52
